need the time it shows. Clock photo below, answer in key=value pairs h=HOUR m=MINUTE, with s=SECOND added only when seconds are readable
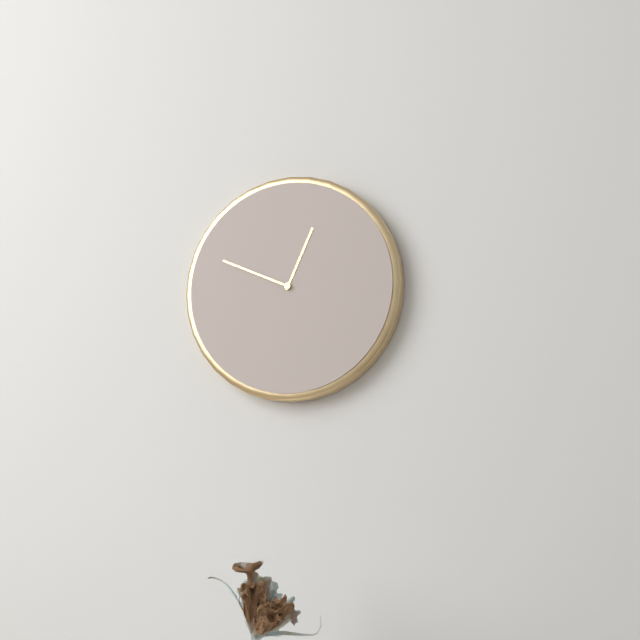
h=12 m=49
